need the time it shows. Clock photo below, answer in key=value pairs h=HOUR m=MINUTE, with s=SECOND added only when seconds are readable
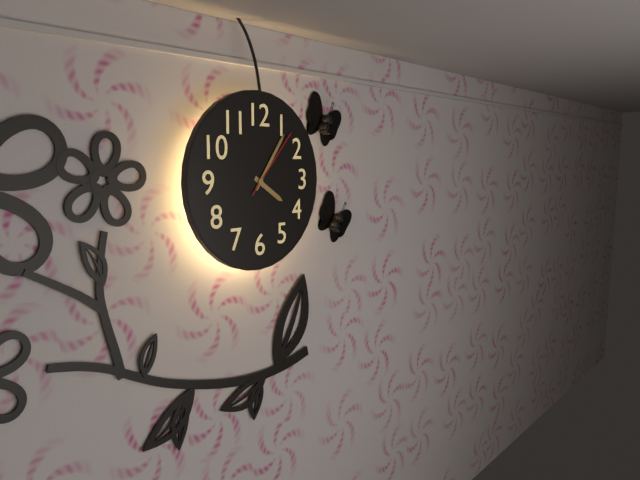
h=4 m=6 s=7
